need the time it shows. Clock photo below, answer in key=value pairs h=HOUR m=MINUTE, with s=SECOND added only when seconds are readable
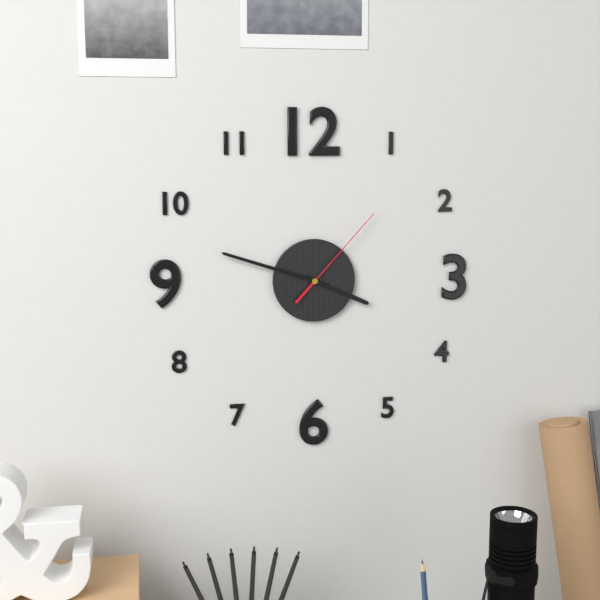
h=3 m=48 s=7
